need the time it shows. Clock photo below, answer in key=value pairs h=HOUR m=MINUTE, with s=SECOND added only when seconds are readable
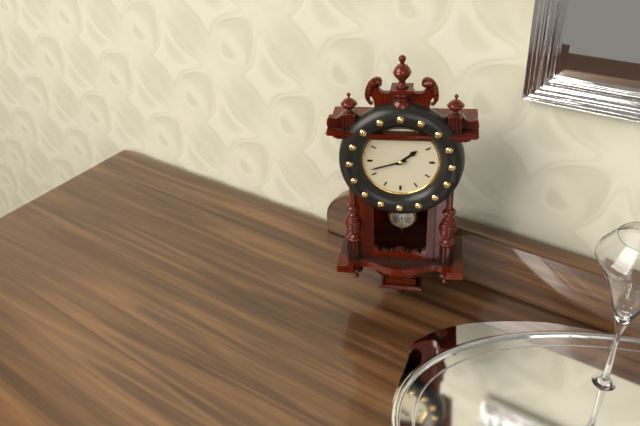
h=1 m=42
